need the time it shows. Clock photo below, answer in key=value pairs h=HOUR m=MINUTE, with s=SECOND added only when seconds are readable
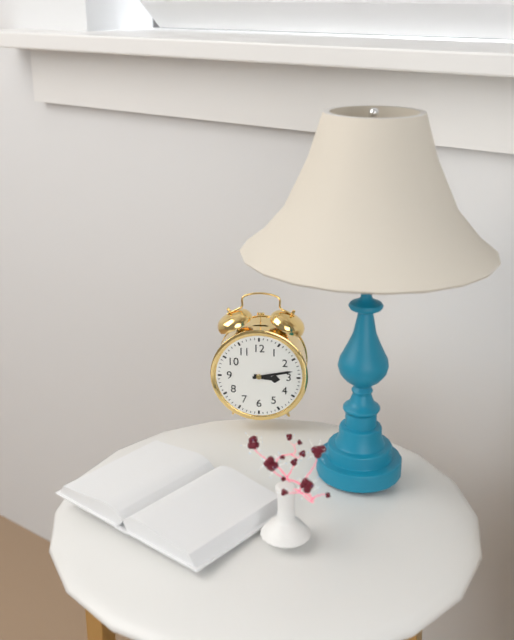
h=3 m=13
